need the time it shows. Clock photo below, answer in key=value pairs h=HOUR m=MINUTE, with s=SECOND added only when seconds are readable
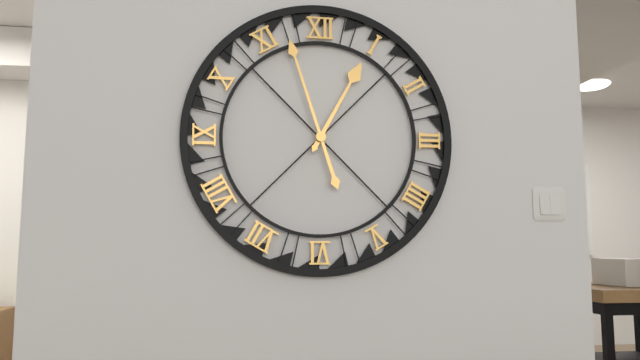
h=12 m=57
